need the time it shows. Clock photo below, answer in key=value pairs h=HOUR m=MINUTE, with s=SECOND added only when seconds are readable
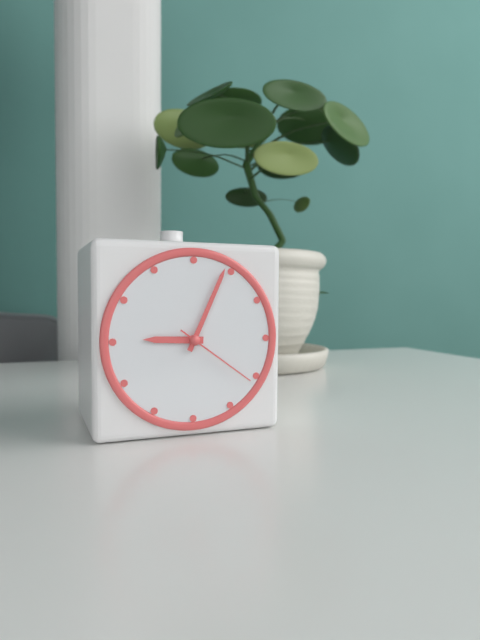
h=9 m=4 s=21
